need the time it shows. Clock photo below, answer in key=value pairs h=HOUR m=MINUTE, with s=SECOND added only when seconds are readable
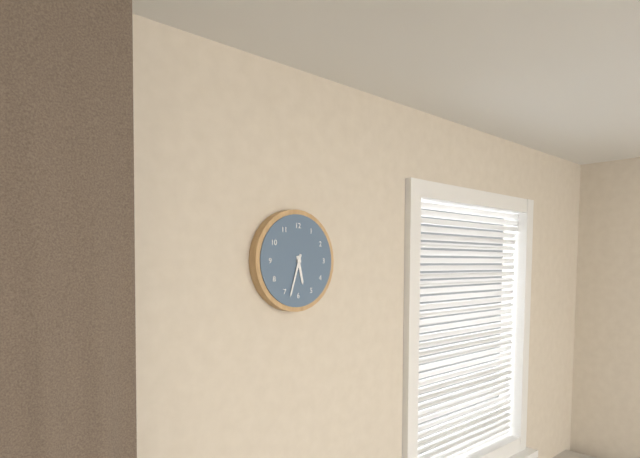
h=5 m=33
